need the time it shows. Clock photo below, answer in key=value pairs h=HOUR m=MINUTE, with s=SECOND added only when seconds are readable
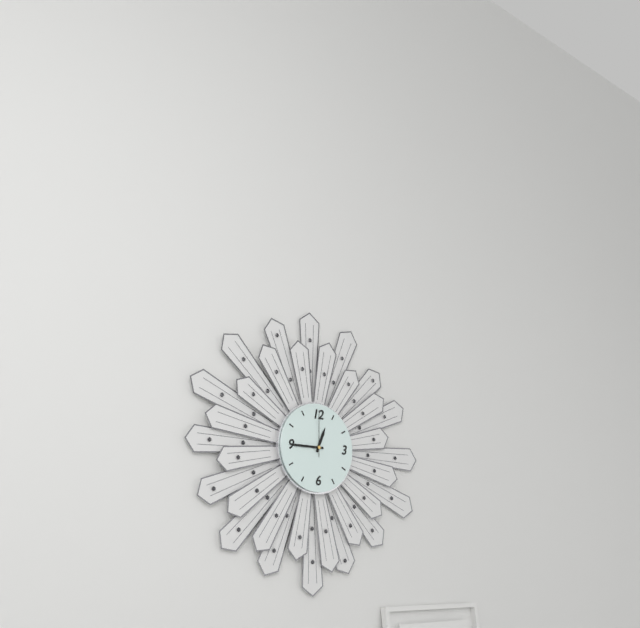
h=12 m=45
